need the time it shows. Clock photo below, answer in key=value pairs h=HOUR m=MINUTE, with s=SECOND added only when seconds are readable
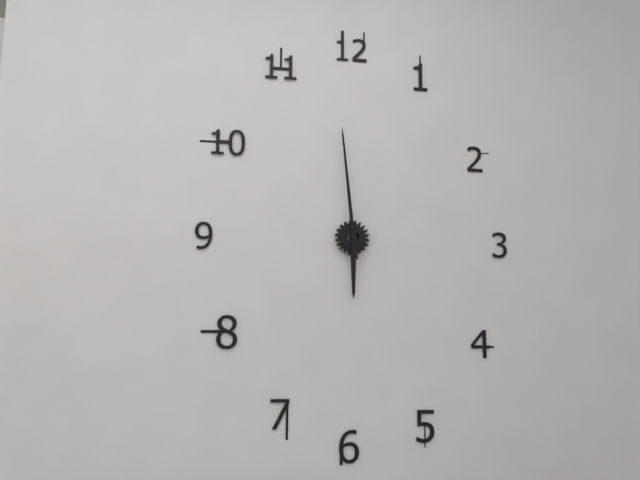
h=5 m=59
